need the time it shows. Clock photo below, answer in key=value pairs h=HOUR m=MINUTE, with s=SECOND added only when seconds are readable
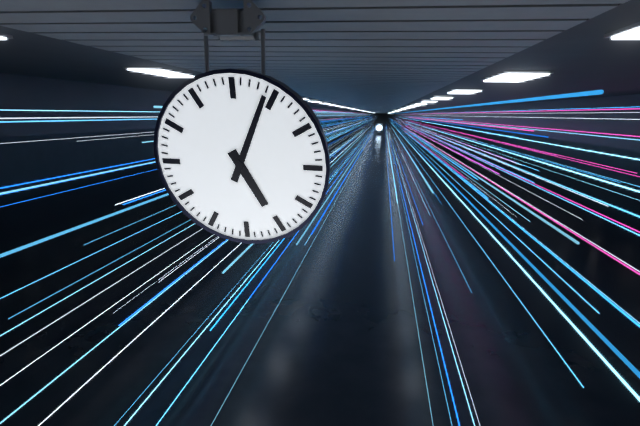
h=5 m=4
